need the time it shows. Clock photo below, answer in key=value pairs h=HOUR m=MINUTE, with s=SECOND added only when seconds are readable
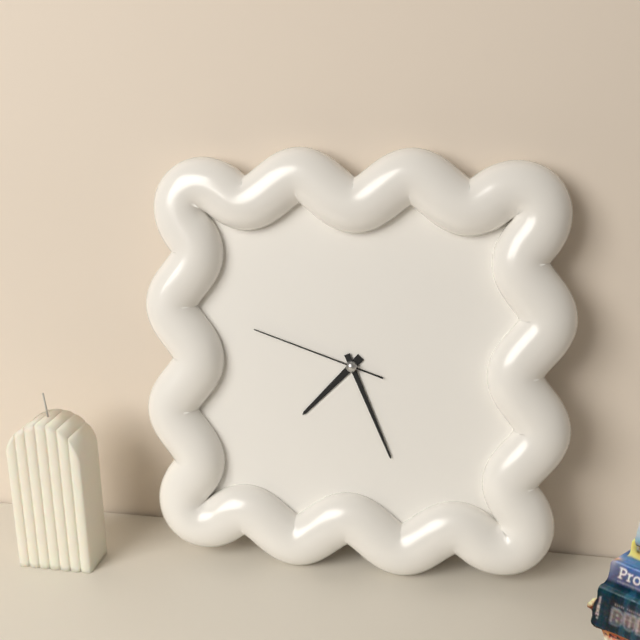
h=7 m=26 s=48
